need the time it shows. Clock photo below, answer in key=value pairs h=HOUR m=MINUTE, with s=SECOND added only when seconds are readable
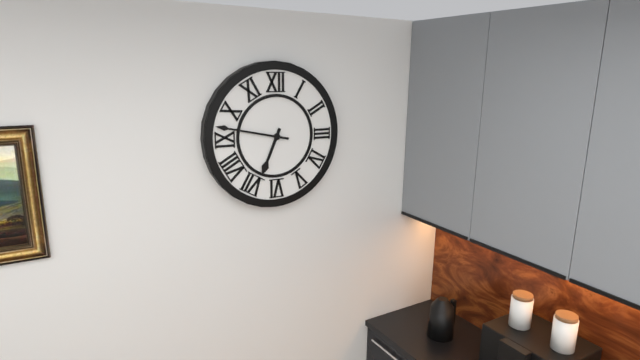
h=6 m=47
